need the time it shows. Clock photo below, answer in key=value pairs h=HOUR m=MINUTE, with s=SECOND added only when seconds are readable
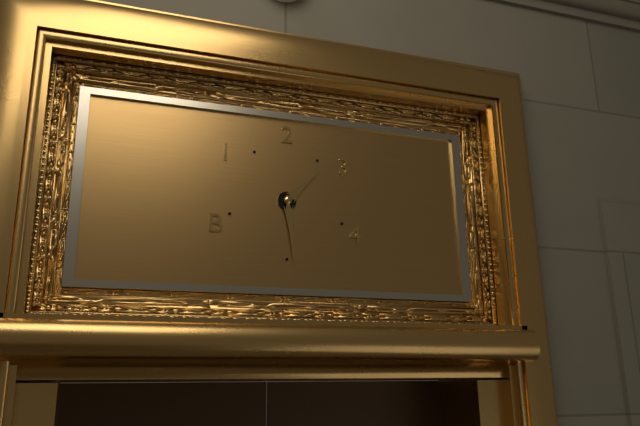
h=1 m=29
